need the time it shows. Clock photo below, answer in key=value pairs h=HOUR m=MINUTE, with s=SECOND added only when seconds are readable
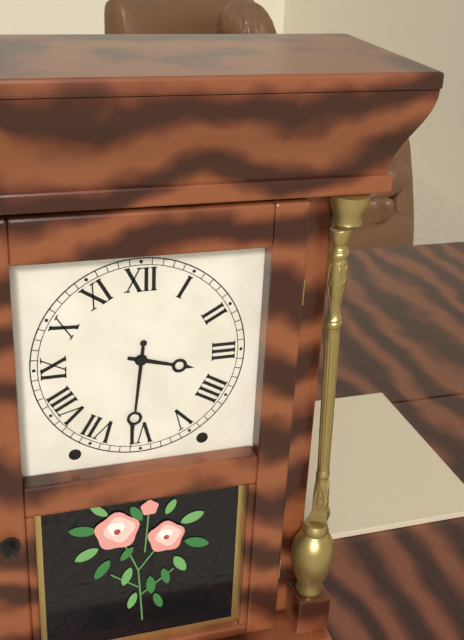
h=3 m=31
